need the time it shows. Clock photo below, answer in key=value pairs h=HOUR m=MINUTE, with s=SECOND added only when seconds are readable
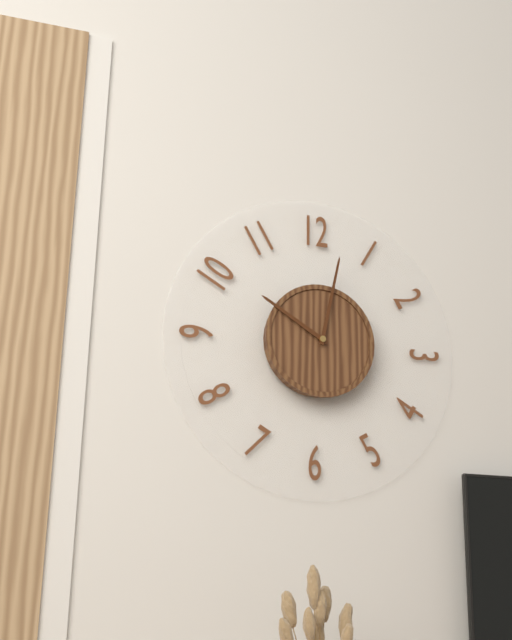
h=10 m=2
